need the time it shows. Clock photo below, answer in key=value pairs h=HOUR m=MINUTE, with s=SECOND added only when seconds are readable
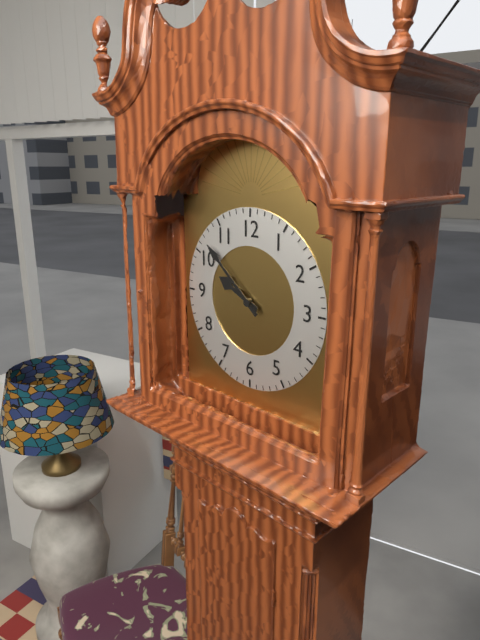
h=9 m=52
